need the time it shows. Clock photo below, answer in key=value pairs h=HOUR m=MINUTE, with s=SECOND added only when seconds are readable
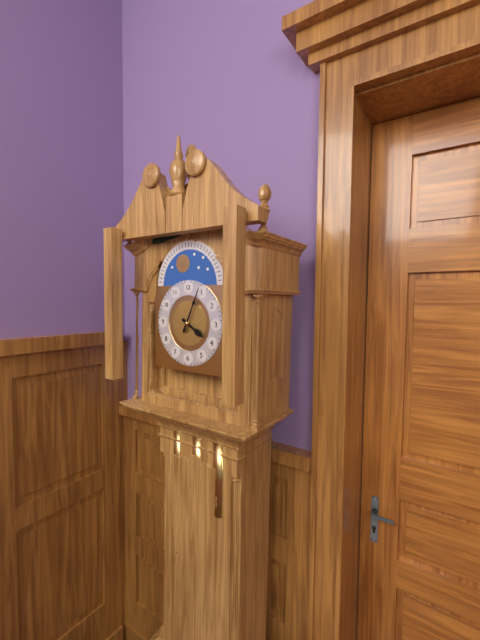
h=4 m=4
